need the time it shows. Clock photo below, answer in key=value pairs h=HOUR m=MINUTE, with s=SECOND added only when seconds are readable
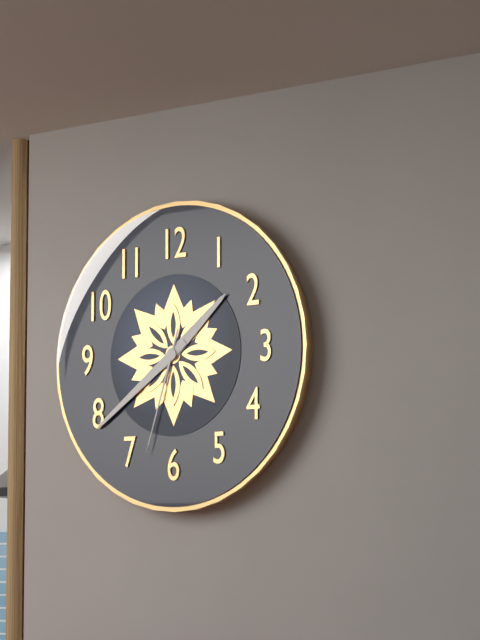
h=1 m=39 s=33
